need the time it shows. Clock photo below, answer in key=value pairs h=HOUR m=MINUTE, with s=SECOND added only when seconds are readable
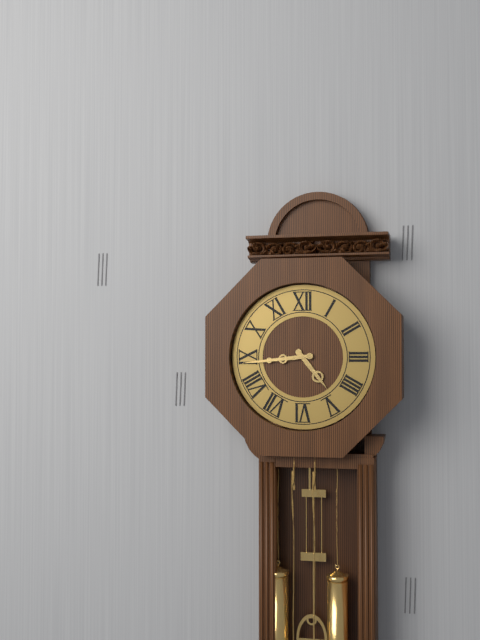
h=4 m=44
